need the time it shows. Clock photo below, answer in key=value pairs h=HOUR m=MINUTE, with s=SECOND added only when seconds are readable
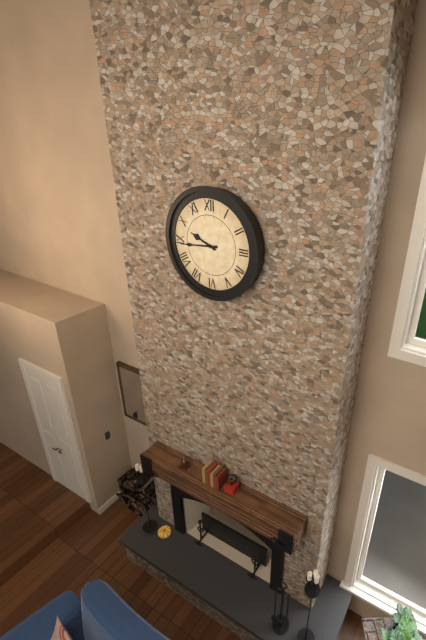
h=9 m=44
